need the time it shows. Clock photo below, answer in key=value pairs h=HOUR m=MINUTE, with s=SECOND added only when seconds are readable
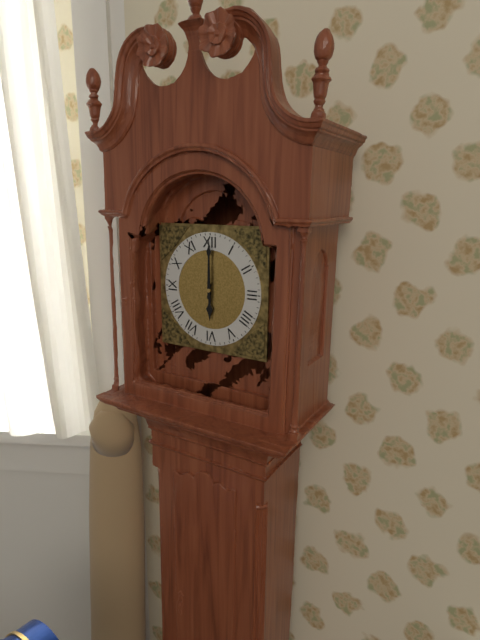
h=6 m=0
